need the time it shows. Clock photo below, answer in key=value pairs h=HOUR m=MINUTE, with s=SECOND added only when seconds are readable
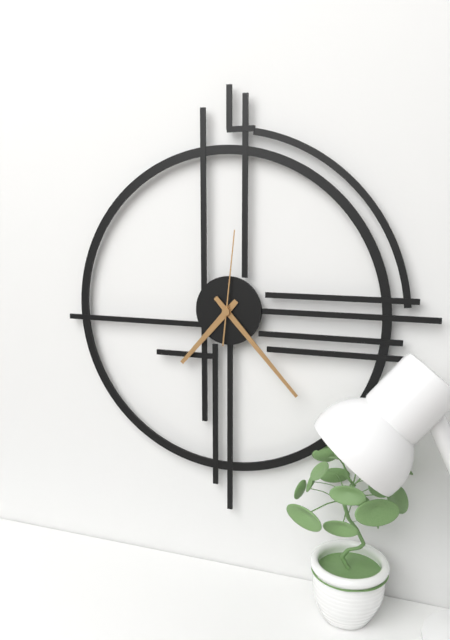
h=7 m=23 s=1
